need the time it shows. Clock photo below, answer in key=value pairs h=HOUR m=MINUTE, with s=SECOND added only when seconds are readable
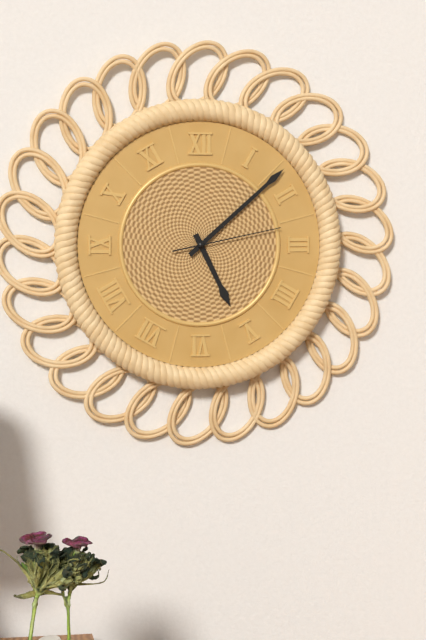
h=5 m=8 s=13
